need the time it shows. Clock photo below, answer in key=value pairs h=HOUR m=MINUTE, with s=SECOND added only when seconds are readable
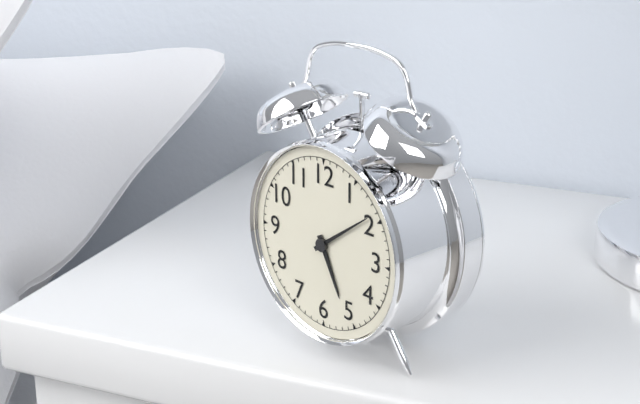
h=5 m=9
